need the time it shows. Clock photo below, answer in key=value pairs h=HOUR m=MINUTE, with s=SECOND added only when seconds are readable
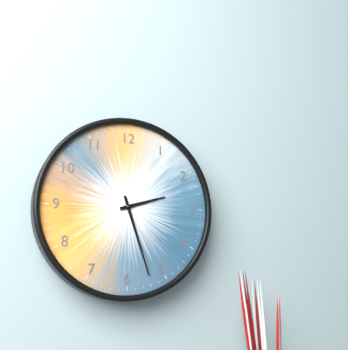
h=2 m=27
